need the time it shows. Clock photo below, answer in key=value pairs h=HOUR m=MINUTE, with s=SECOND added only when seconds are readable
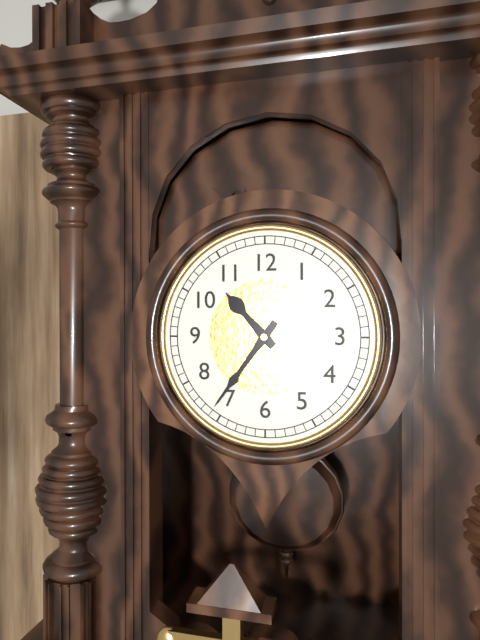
h=10 m=36
